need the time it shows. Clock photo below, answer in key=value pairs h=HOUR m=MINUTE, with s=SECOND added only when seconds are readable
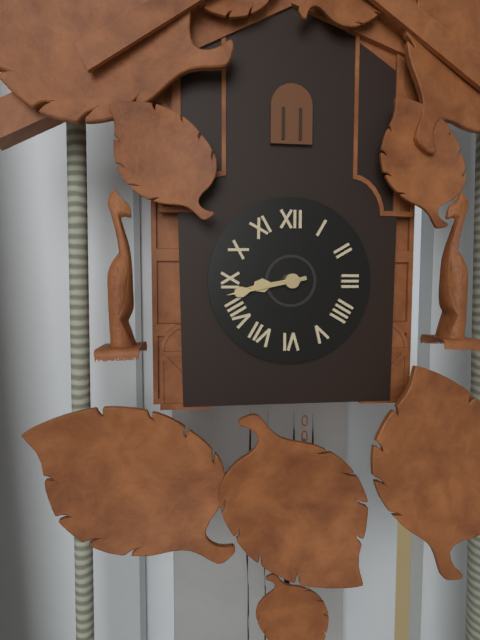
h=8 m=43
